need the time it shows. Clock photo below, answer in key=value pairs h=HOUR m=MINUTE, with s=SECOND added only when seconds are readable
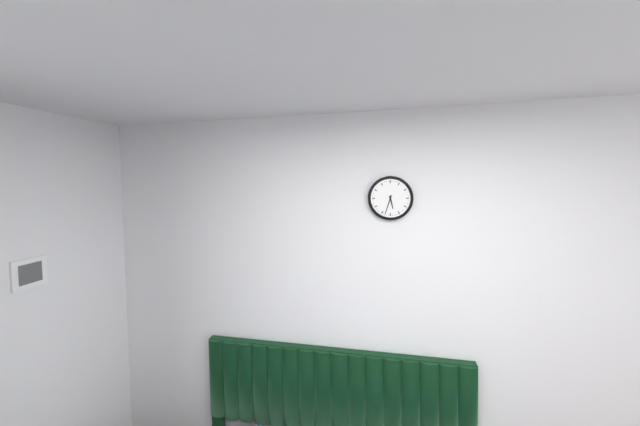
h=5 m=33
